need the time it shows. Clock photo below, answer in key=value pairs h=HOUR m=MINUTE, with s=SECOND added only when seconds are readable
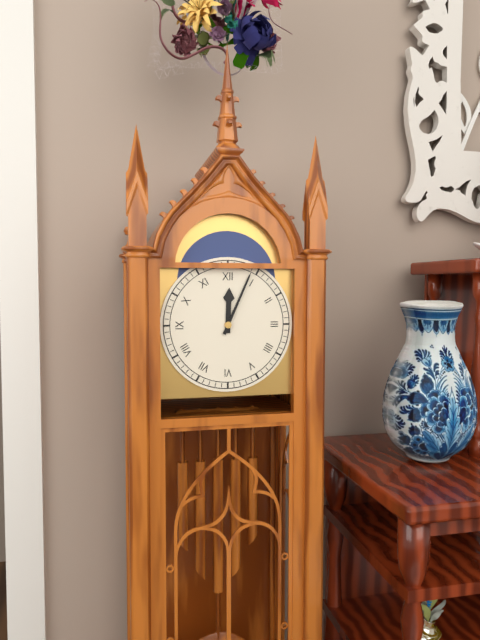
h=12 m=4
